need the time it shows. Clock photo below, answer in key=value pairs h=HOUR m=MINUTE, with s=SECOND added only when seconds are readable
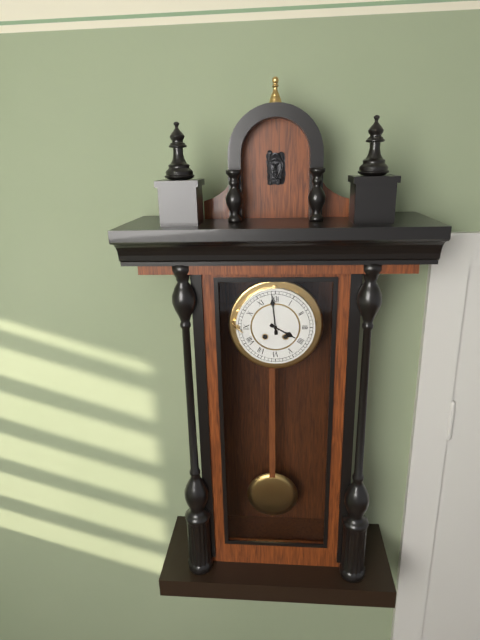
h=3 m=59
